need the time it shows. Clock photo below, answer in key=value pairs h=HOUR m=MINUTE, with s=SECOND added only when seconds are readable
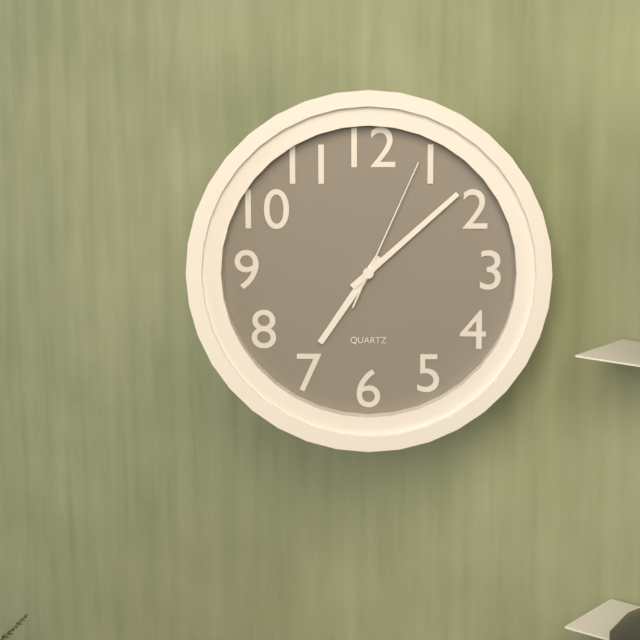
h=7 m=8 s=4
